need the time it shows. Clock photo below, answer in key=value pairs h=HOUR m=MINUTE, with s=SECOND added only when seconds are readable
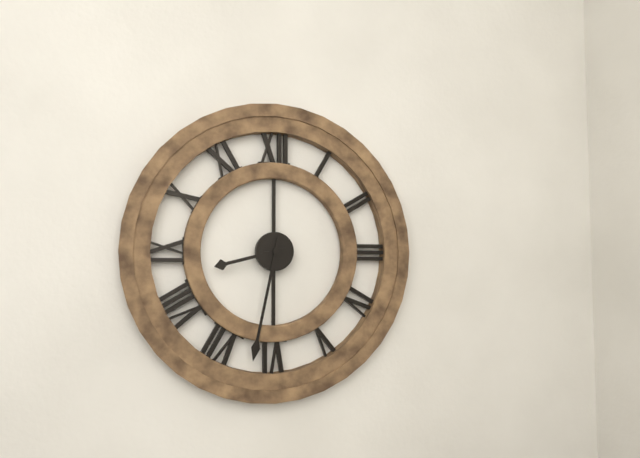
h=8 m=32
